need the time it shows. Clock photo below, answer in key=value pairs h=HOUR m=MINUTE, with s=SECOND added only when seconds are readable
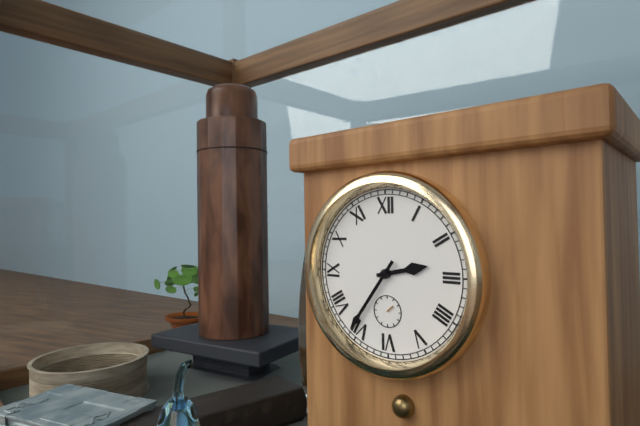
h=2 m=36
